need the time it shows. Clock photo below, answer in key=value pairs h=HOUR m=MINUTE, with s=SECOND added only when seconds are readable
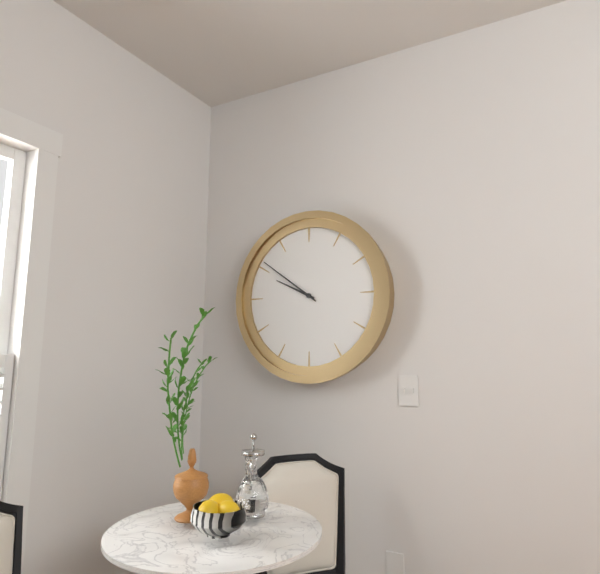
h=9 m=51
